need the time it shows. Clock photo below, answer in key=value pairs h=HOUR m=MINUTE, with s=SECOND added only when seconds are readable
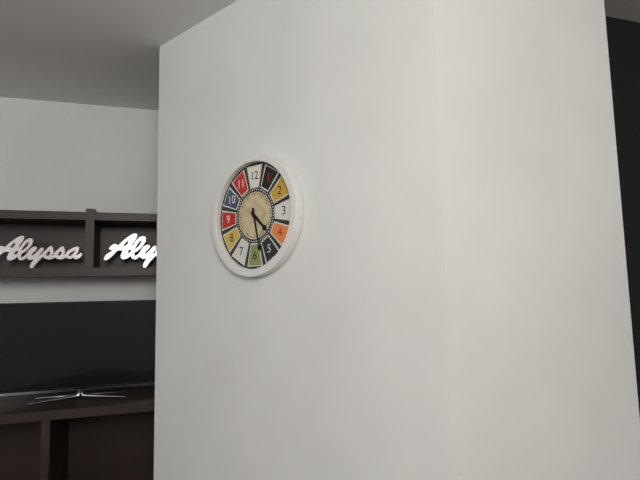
h=4 m=28
